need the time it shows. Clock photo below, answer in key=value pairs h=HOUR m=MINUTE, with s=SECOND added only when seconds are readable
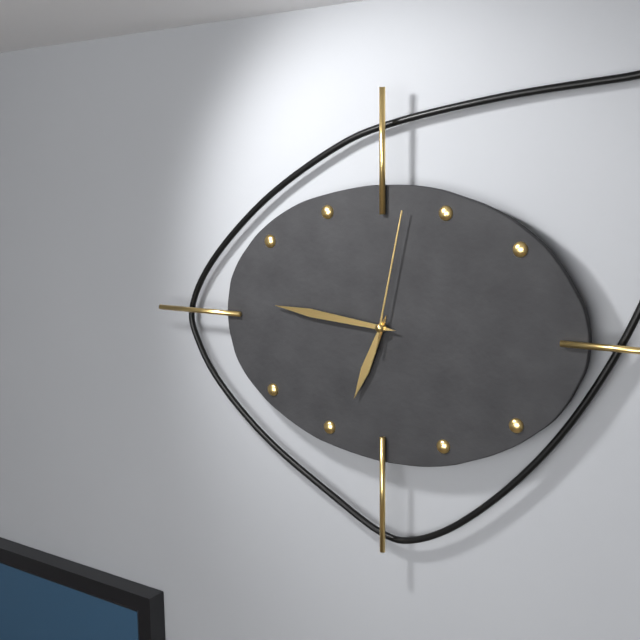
h=6 m=46 s=2
